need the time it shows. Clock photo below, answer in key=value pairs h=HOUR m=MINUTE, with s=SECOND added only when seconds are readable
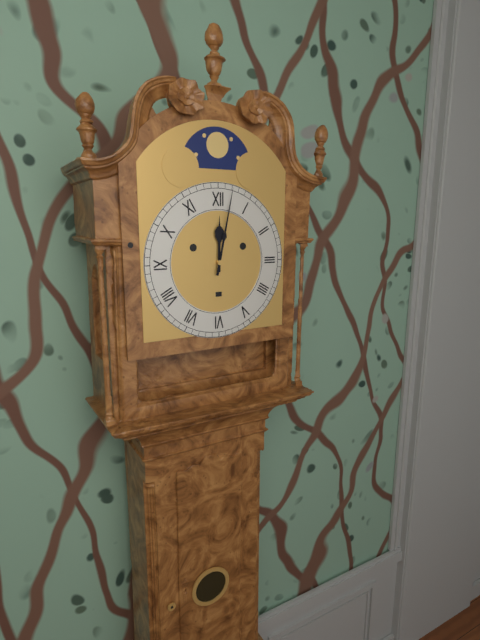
h=12 m=2
